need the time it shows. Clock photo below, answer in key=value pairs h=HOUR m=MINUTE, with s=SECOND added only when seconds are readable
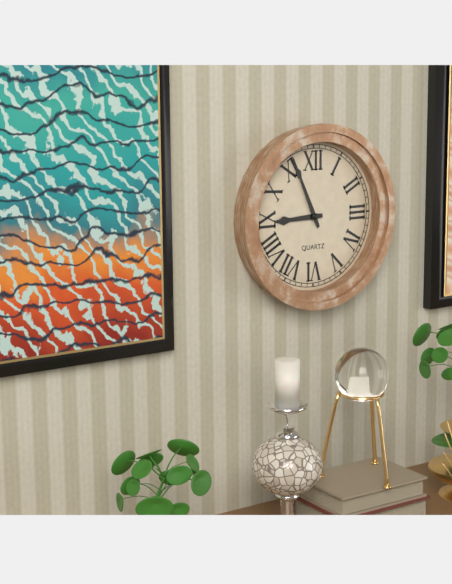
h=8 m=56
